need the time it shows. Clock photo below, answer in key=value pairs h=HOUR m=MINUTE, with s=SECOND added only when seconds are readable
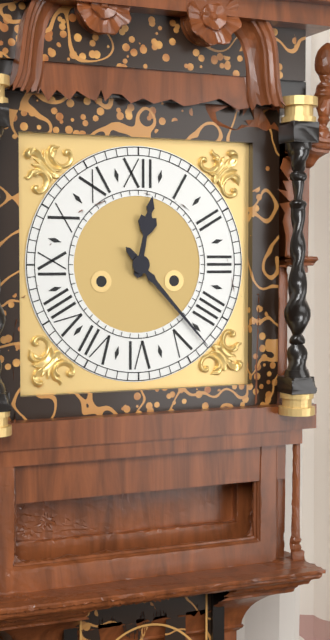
h=12 m=23
